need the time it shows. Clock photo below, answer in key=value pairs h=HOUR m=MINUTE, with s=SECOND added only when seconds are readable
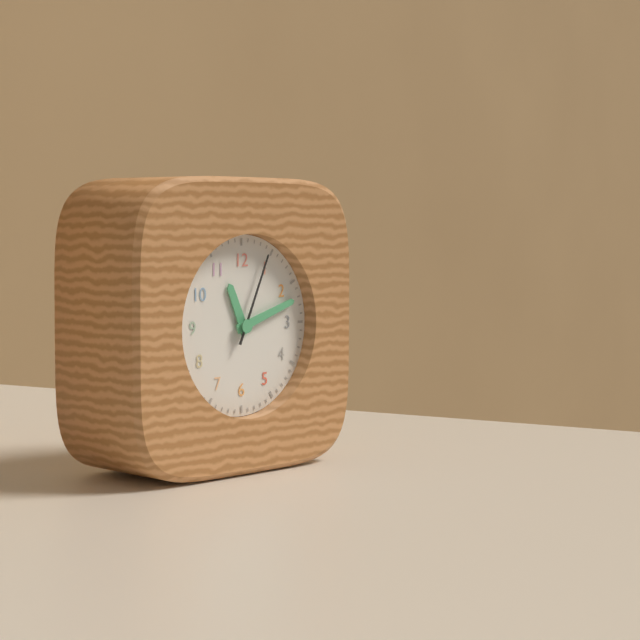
h=11 m=12 s=4
